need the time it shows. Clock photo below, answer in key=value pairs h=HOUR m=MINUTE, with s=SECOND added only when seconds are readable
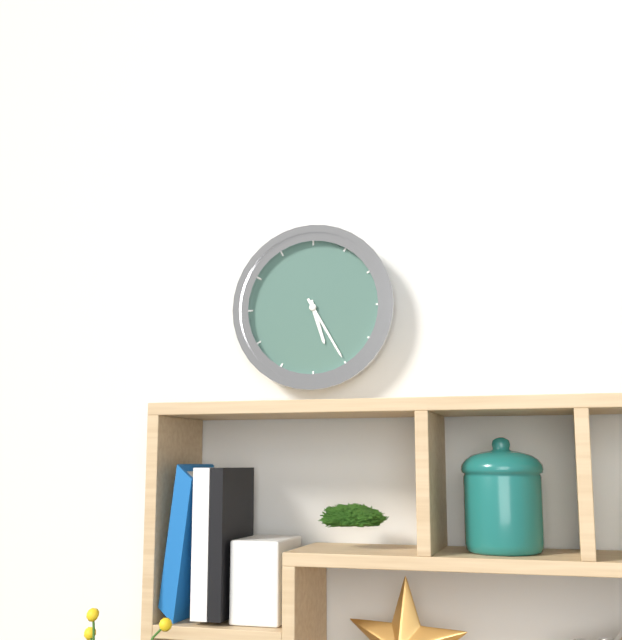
h=5 m=25
